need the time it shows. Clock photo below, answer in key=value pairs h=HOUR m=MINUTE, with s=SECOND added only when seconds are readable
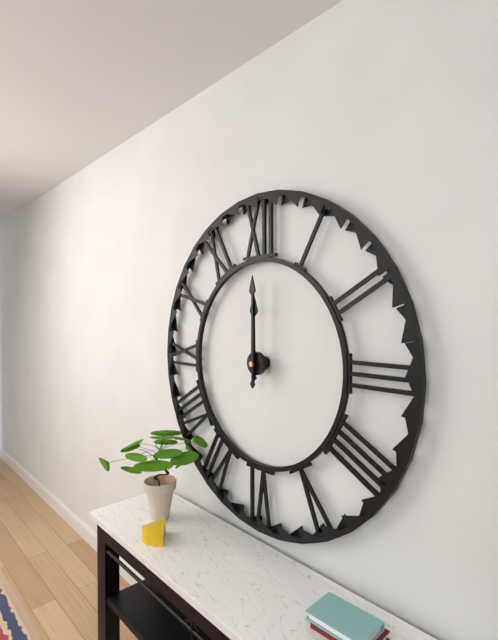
h=12 m=0
